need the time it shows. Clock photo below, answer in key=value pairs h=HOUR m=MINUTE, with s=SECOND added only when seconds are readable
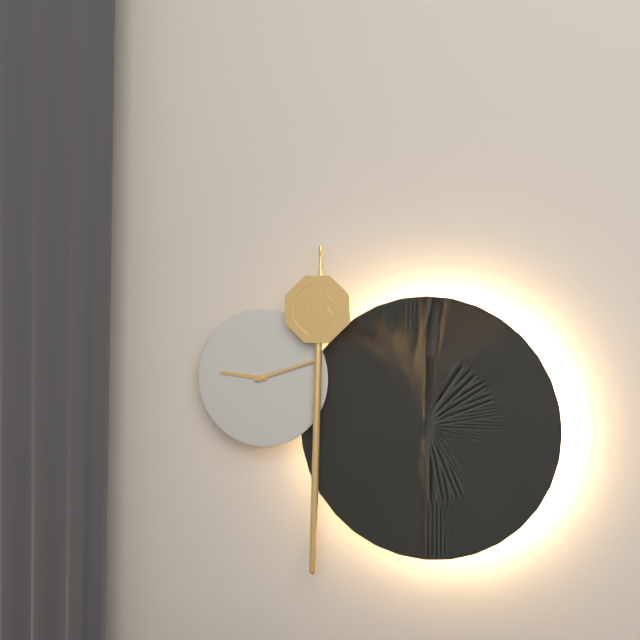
h=9 m=12
